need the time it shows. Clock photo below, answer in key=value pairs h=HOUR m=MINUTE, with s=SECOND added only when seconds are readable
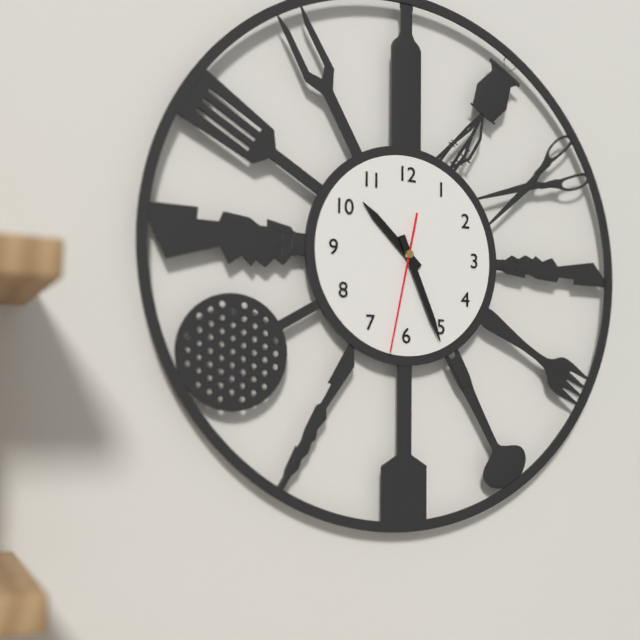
h=10 m=26 s=32
